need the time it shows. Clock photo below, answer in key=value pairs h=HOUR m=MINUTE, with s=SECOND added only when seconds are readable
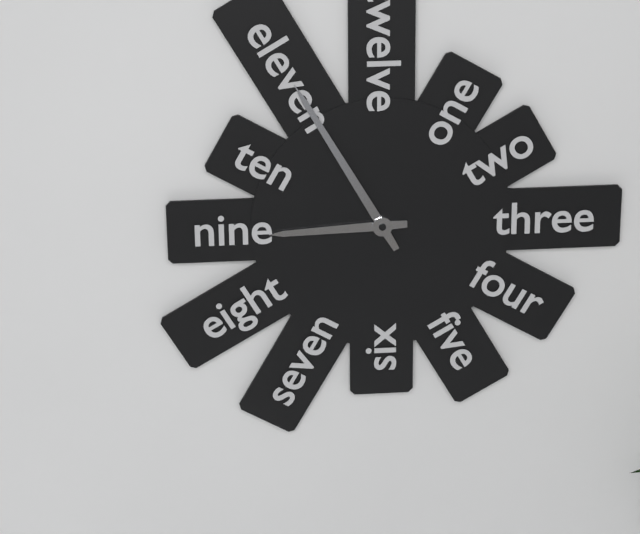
h=8 m=55
